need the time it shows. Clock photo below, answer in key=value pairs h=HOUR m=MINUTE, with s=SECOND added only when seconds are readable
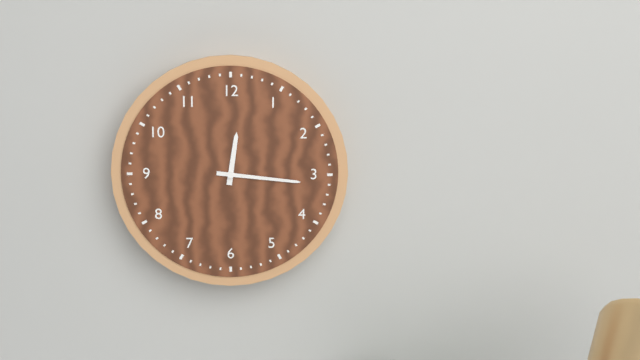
h=12 m=16
